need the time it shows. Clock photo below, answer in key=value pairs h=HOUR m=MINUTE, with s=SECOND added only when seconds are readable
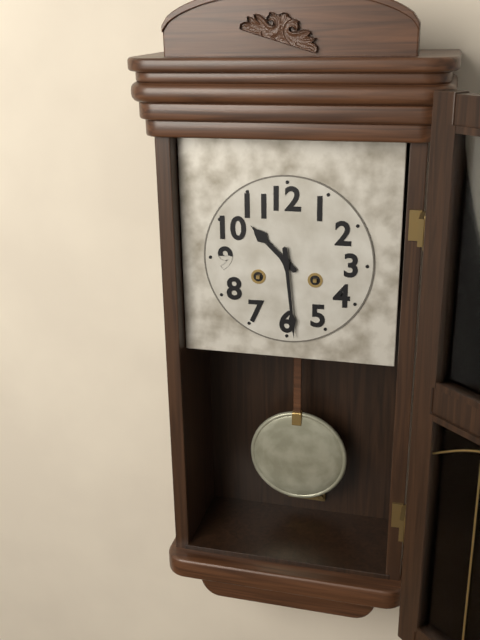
h=10 m=29
